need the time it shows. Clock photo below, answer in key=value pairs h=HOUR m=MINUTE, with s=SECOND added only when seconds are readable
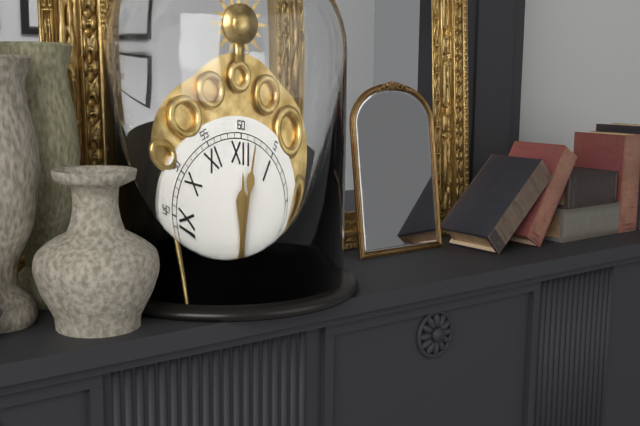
h=12 m=2
